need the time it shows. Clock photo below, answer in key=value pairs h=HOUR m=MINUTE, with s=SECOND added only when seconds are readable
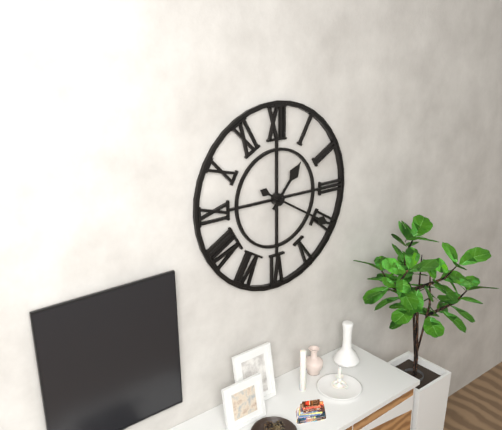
h=1 m=20
